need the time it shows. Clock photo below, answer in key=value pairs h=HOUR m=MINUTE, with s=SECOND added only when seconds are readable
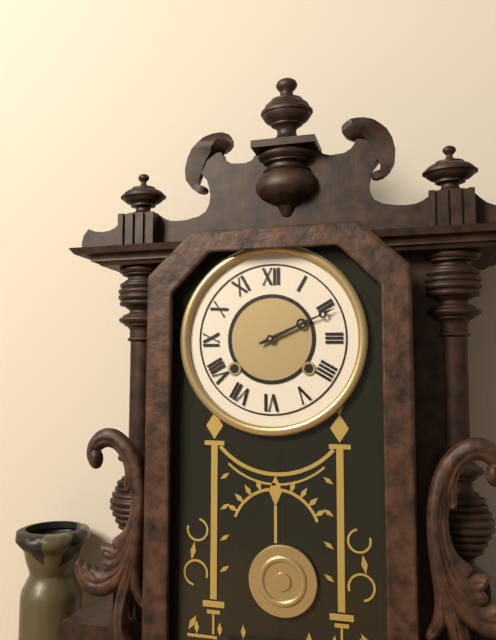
h=2 m=11
